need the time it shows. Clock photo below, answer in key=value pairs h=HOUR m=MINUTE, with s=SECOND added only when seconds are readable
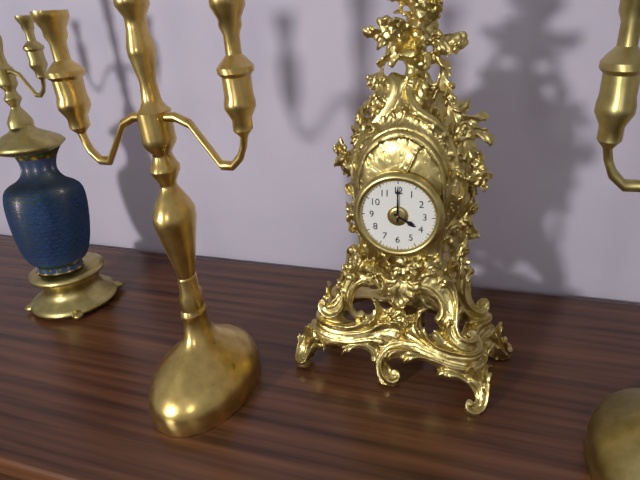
h=4 m=0
